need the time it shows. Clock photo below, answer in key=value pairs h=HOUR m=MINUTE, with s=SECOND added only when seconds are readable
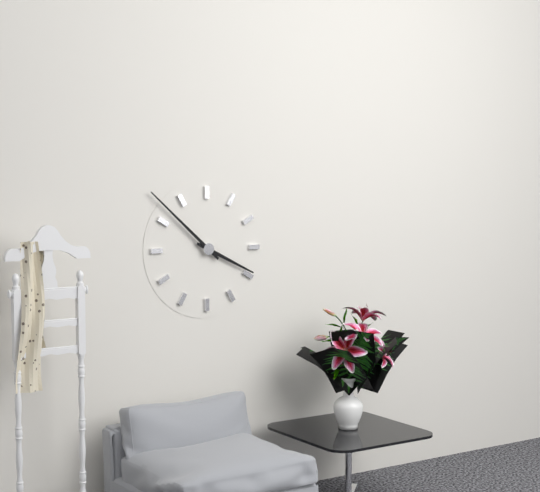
h=3 m=52
